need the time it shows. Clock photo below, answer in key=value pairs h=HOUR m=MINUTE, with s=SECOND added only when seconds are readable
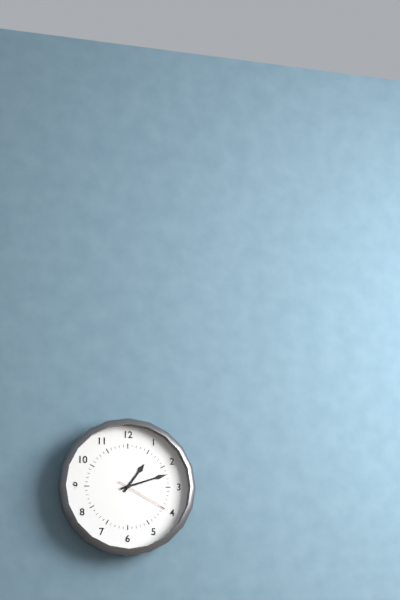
h=1 m=12 s=20
